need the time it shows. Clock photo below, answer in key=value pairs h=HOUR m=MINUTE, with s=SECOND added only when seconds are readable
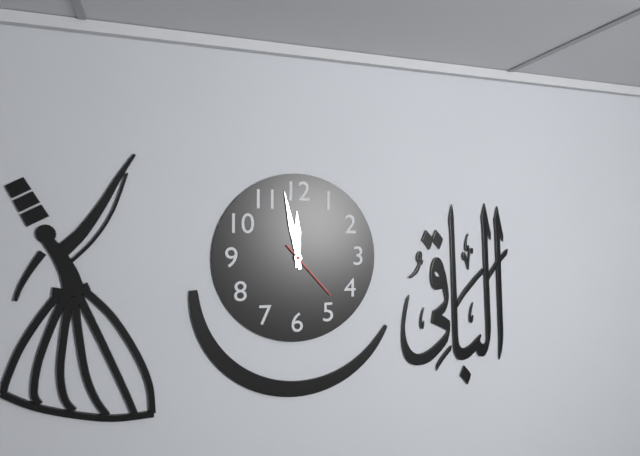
h=11 m=58 s=23
